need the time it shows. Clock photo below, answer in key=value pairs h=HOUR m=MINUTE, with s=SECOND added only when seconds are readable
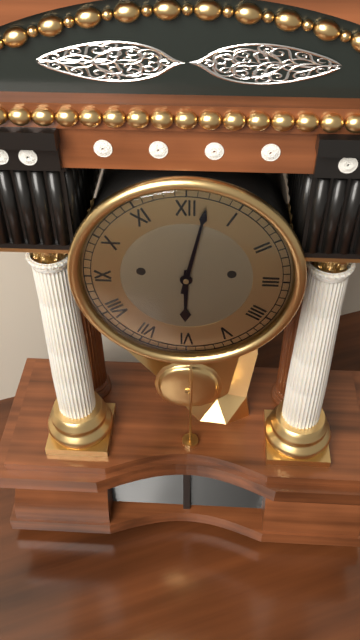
h=6 m=2
